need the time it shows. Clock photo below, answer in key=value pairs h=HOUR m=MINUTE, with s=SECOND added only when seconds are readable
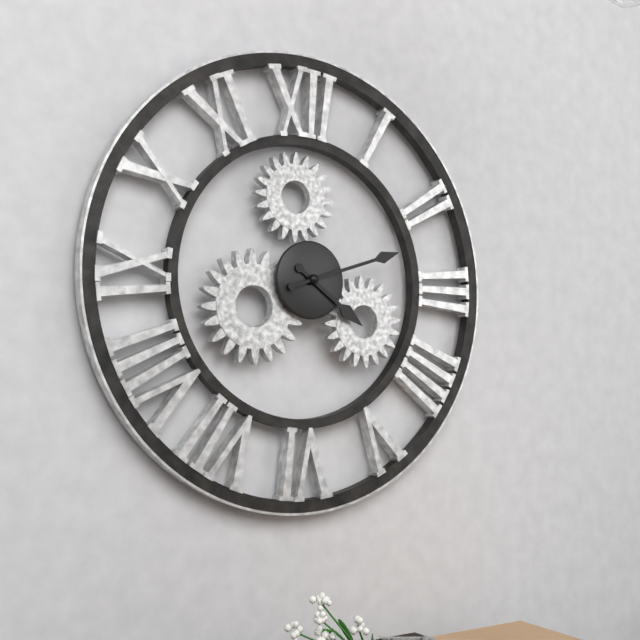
h=4 m=12
